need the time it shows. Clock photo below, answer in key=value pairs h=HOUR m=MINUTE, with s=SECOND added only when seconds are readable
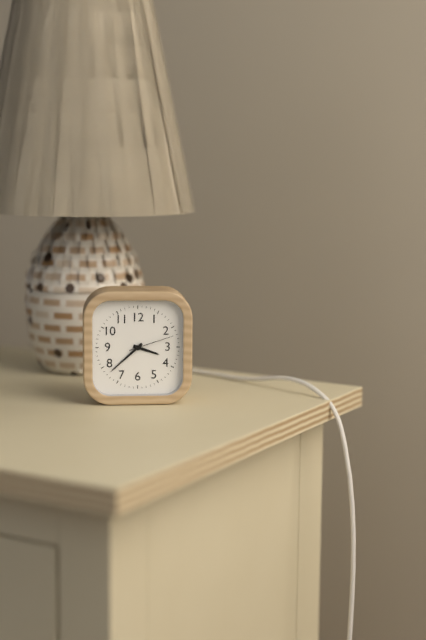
h=3 m=38
